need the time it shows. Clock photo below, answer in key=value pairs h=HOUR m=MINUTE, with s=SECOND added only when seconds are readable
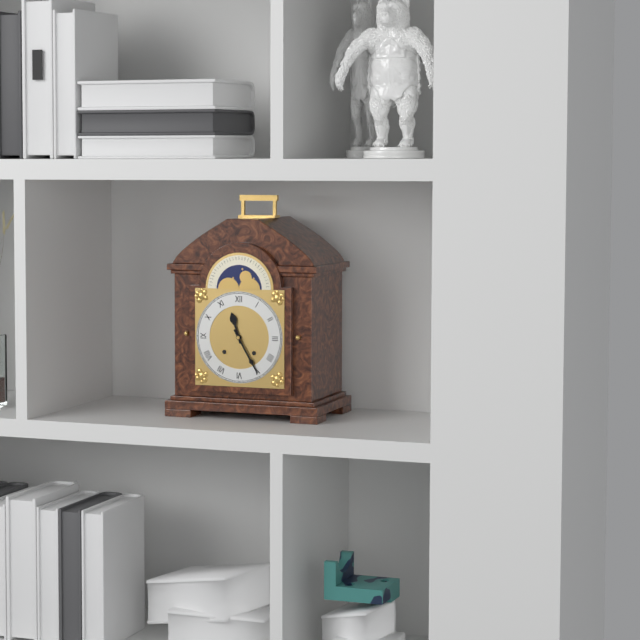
h=11 m=25
